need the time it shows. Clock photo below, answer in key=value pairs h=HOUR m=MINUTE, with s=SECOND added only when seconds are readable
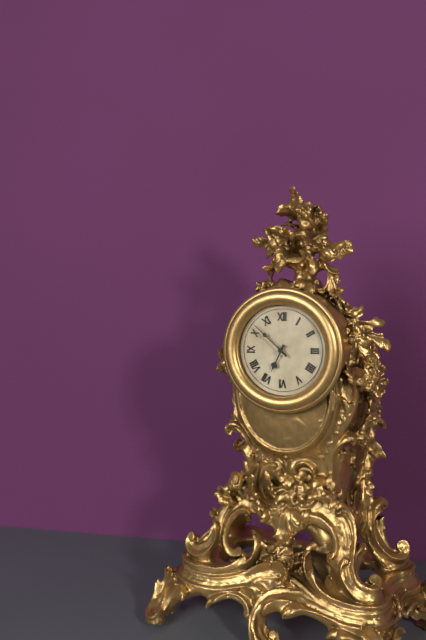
h=6 m=52
